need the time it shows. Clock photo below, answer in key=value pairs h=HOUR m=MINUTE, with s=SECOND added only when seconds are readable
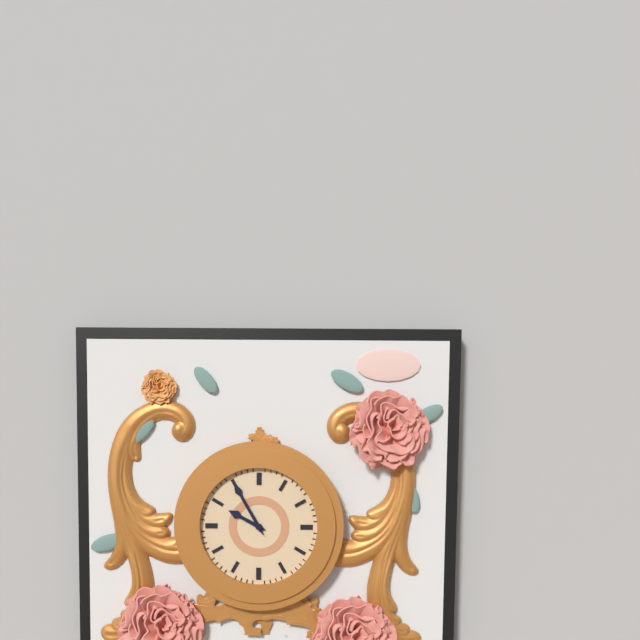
h=9 m=55
